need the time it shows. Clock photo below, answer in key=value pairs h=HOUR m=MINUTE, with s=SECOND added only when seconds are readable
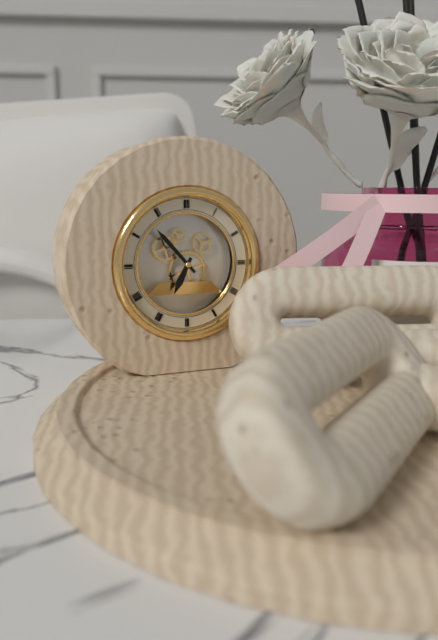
h=6 m=53
